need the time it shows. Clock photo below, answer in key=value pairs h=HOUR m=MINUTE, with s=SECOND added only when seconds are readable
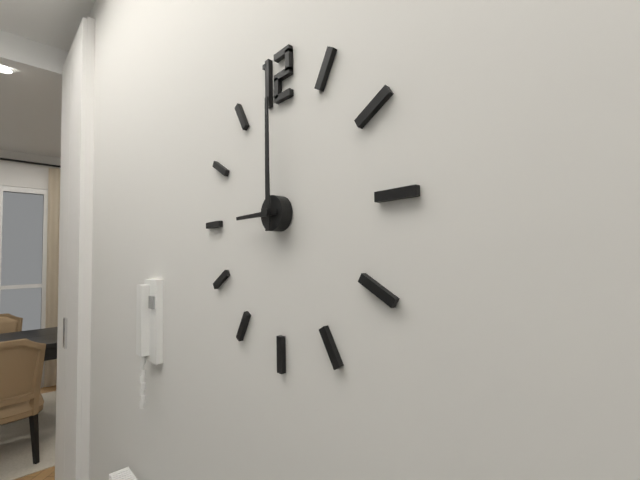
h=9 m=0
